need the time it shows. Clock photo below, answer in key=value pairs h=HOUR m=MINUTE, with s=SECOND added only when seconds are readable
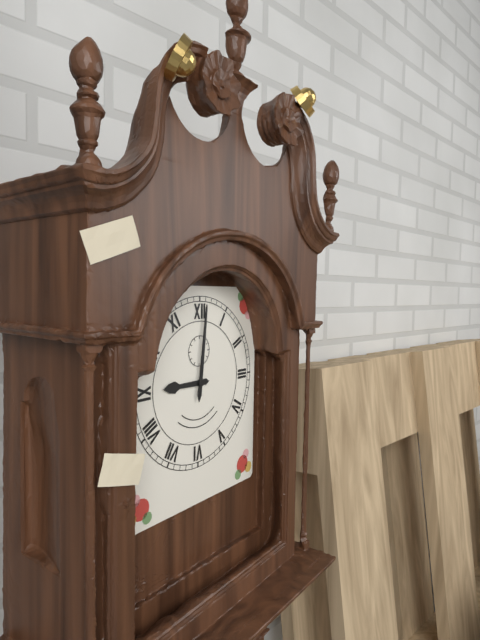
h=9 m=1
